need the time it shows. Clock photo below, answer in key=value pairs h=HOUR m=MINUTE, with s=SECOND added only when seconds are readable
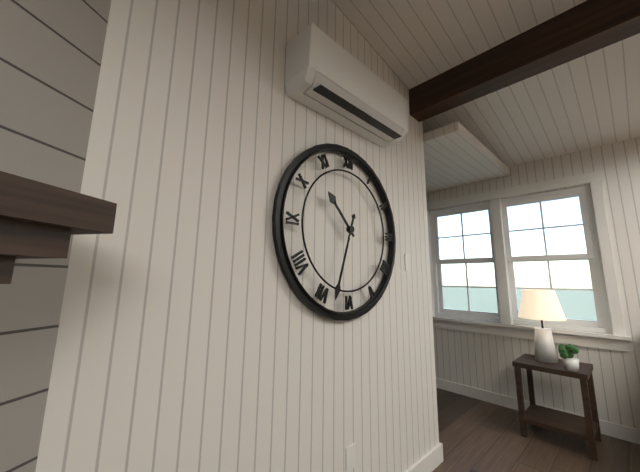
h=10 m=33
